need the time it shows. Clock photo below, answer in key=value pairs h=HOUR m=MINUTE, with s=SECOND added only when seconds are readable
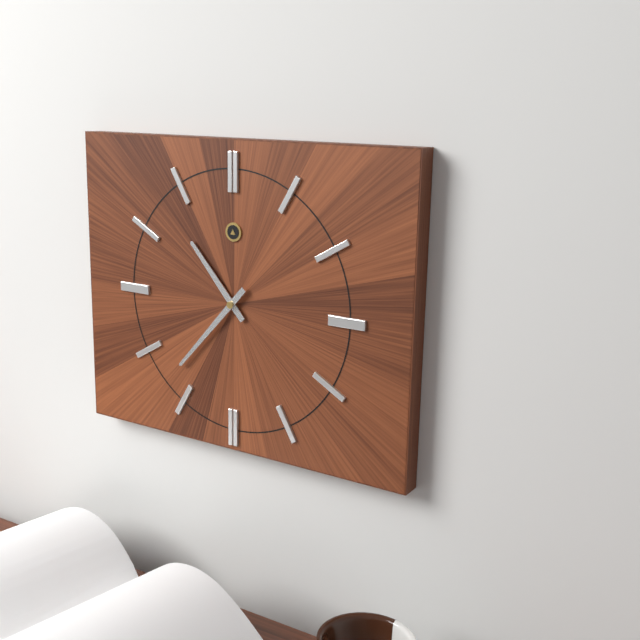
h=10 m=37
